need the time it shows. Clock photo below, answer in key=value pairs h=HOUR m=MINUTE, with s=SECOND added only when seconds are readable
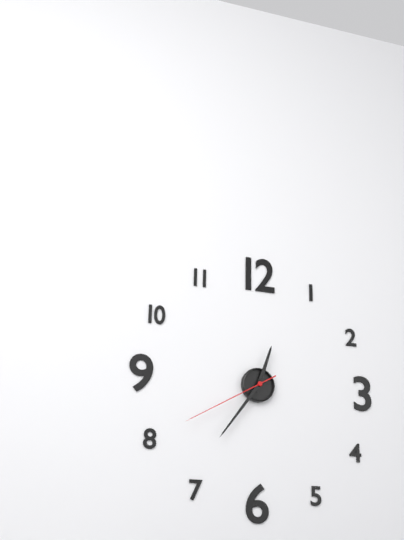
h=12 m=36 s=40
